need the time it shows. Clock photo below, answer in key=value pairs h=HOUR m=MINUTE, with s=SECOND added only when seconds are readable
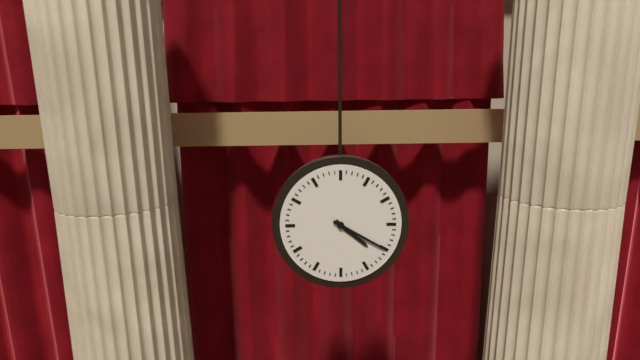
h=4 m=20
